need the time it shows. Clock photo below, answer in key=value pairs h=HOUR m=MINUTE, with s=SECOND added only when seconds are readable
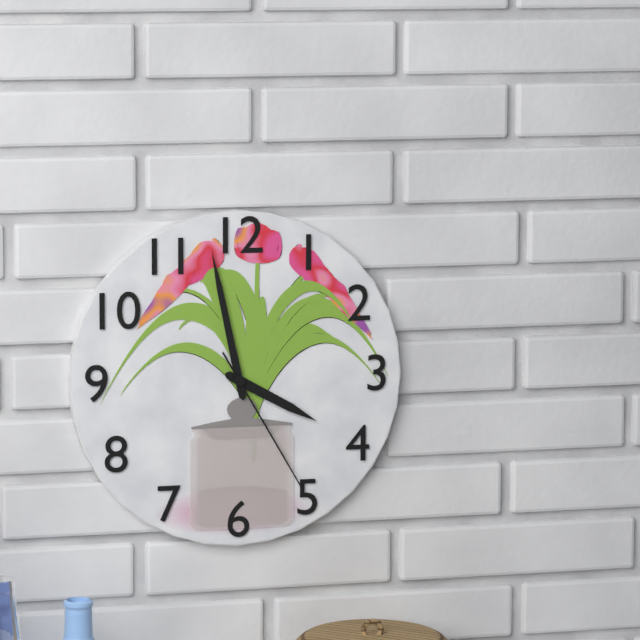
h=3 m=58 s=25
